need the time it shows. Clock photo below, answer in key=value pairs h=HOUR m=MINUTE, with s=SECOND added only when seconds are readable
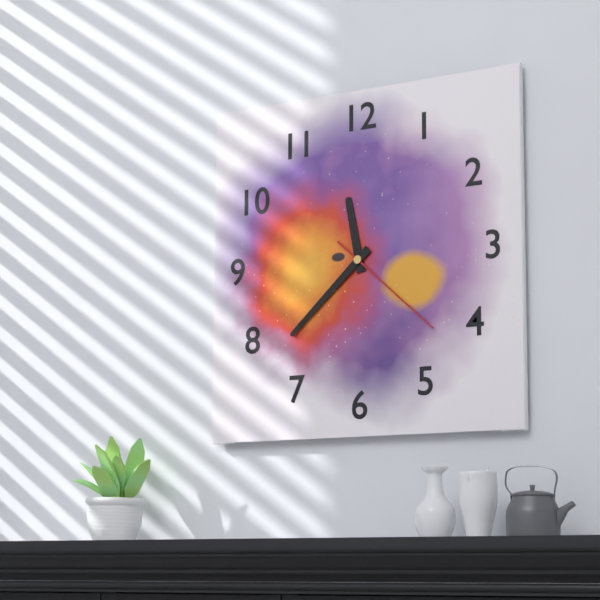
h=11 m=38 s=22
